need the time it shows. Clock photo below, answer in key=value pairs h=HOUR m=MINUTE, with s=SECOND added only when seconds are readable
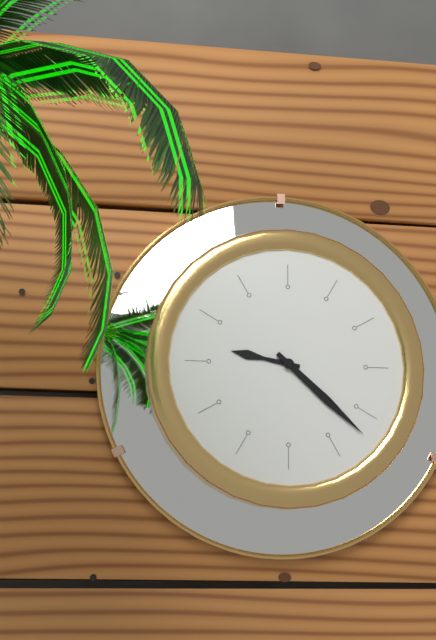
h=9 m=22
